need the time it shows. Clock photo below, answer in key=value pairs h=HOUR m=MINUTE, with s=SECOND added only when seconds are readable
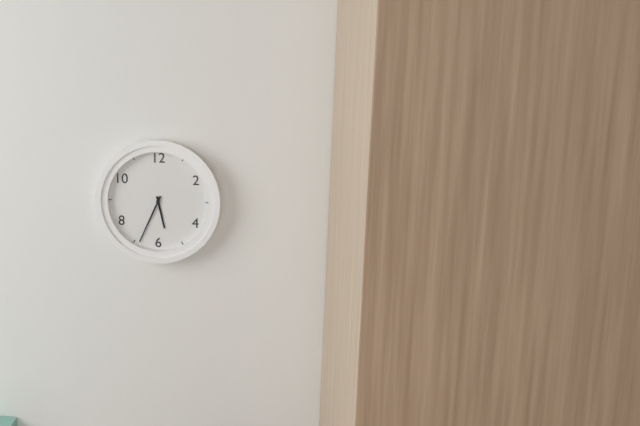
h=5 m=34
